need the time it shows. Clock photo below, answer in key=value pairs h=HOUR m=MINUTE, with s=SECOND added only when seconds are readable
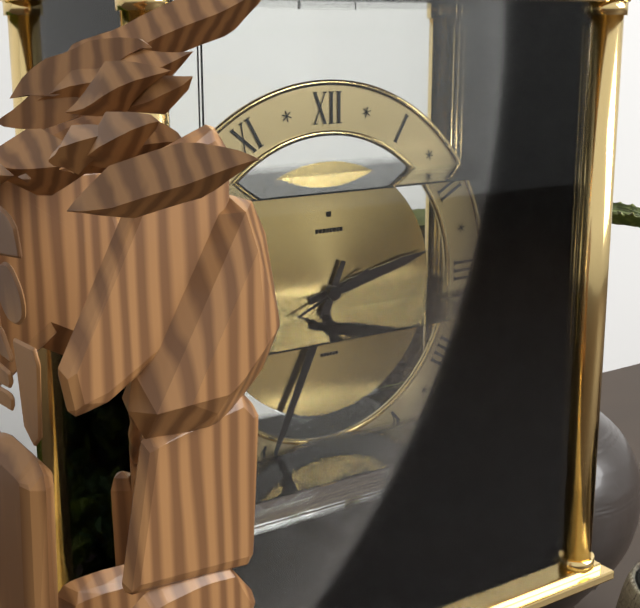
h=2 m=34
